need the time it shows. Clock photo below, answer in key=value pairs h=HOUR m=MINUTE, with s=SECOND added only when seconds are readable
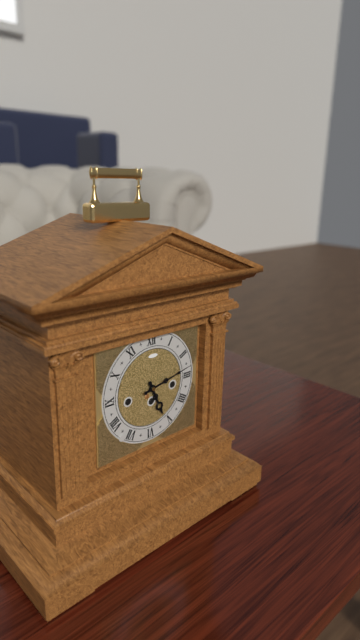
h=5 m=13
